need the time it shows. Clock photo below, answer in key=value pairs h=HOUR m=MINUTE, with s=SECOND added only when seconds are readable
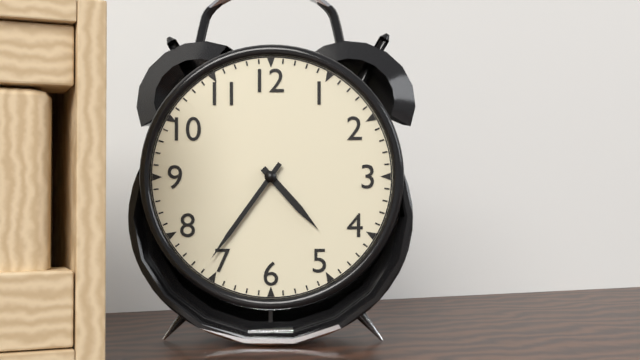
h=4 m=36
